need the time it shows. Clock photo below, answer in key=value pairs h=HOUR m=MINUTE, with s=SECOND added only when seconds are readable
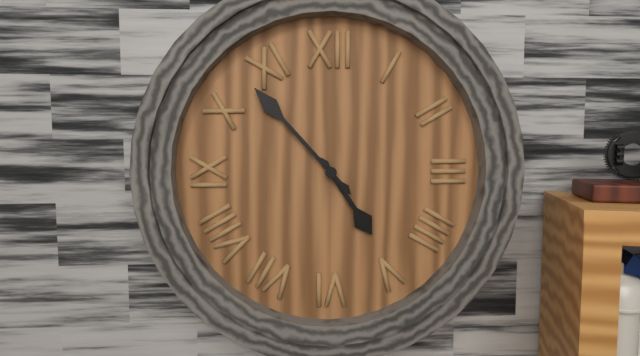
h=4 m=53
